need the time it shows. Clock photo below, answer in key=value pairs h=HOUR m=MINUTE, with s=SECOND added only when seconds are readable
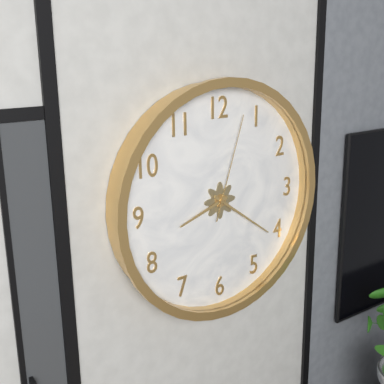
h=8 m=21 s=3
